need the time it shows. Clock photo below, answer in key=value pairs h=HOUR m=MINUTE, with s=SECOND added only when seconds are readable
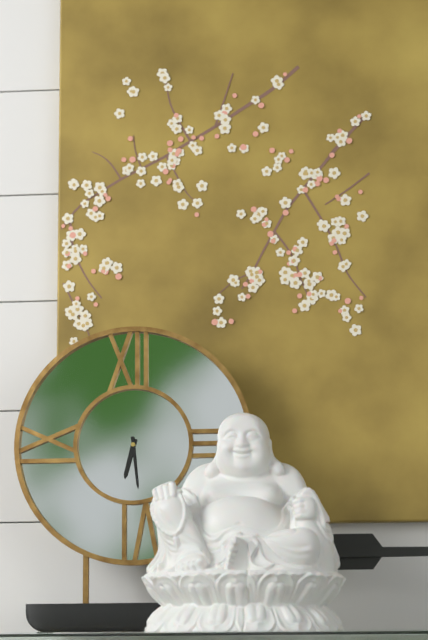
h=6 m=29
